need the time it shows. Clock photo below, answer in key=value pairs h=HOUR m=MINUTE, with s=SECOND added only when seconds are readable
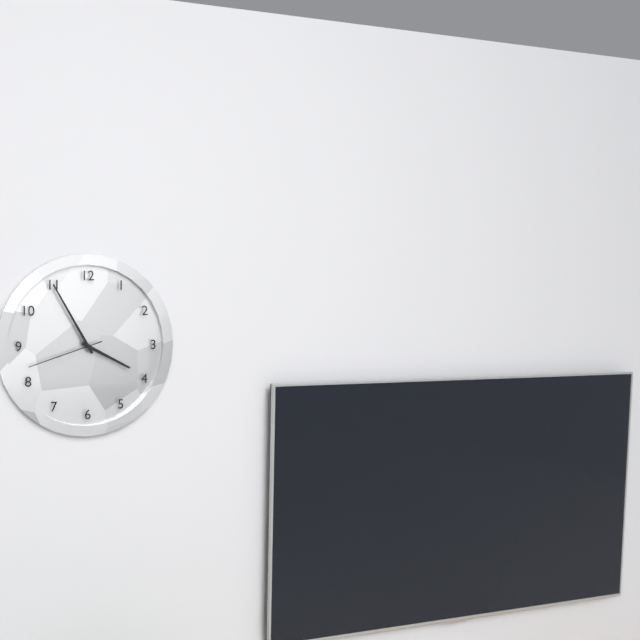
h=3 m=55 s=42
